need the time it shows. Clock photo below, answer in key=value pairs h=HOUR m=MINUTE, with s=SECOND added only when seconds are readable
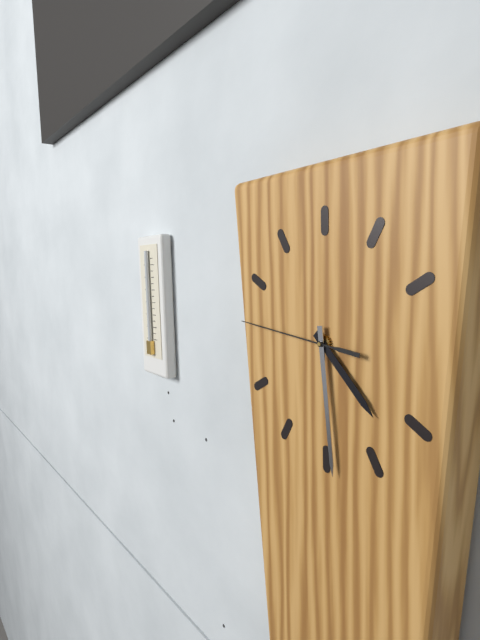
h=4 m=29 s=46
